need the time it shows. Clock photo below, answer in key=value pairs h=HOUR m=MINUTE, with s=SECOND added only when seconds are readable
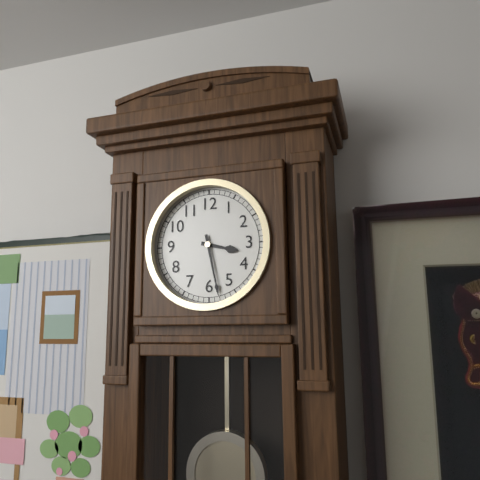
h=3 m=28
